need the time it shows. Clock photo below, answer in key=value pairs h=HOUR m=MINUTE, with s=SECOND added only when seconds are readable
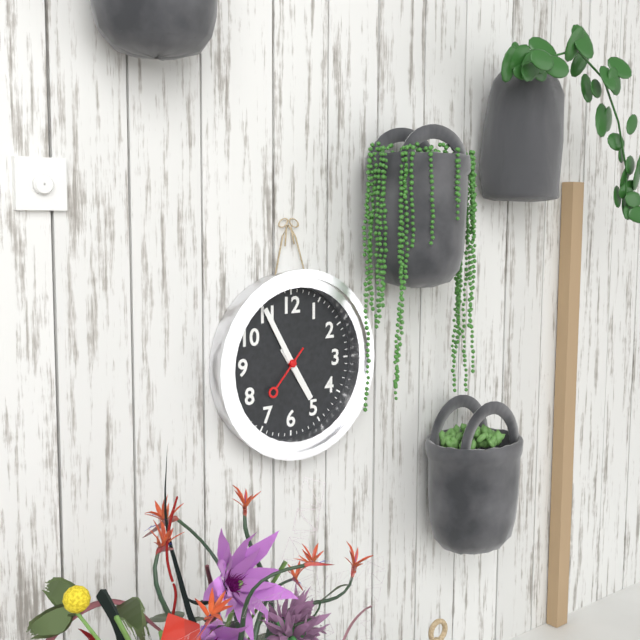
h=4 m=55 s=37
